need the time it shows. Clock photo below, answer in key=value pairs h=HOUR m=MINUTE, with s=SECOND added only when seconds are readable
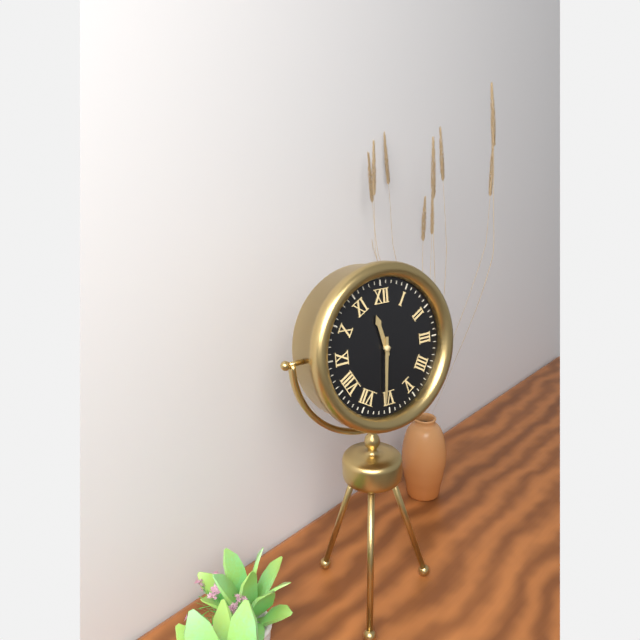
h=11 m=31
